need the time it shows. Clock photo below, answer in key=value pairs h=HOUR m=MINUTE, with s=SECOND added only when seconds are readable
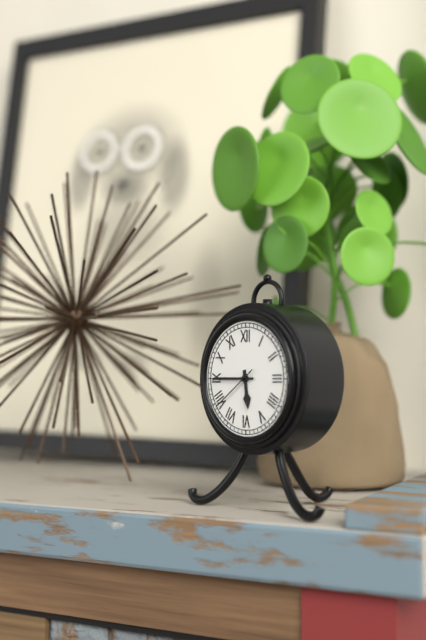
h=5 m=45 s=39
